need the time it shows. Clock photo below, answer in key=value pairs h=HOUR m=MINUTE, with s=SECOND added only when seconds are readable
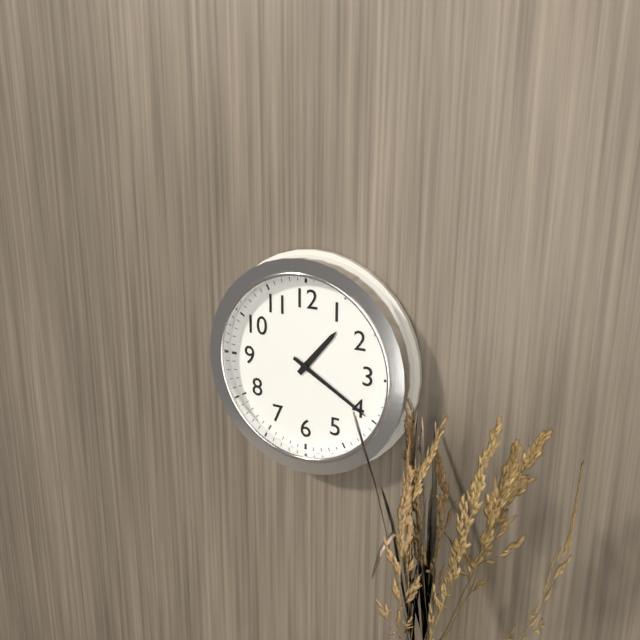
h=1 m=20
